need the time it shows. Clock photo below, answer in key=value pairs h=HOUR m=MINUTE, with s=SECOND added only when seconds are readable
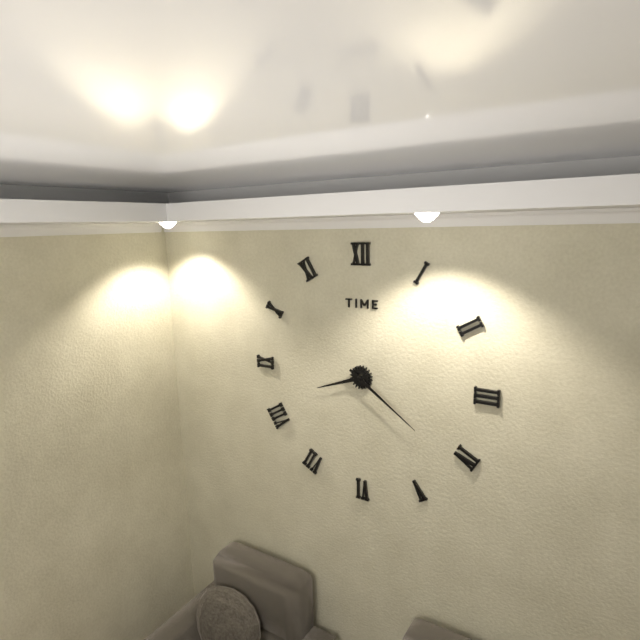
h=8 m=21
